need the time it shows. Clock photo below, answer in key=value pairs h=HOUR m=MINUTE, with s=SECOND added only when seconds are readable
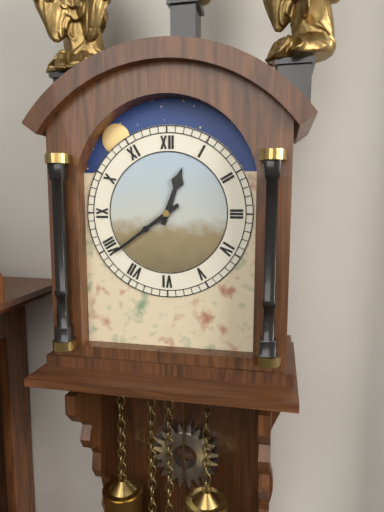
h=12 m=39
